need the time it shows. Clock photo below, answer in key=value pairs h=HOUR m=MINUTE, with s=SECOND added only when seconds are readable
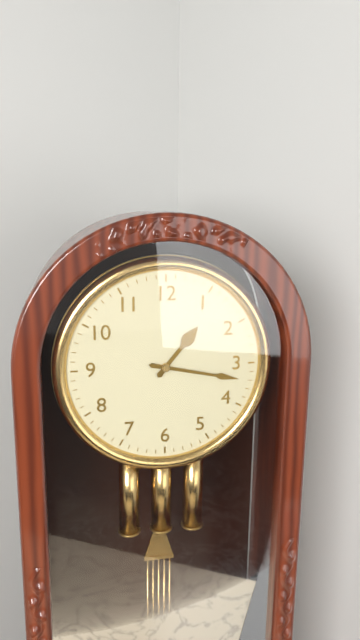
h=1 m=17
